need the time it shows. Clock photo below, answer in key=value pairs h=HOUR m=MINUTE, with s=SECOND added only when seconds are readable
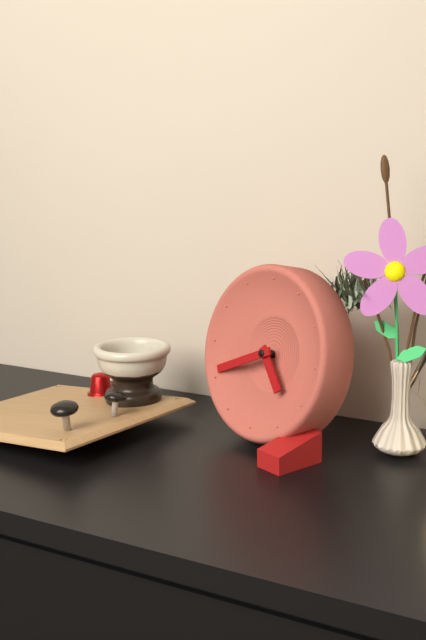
h=4 m=41
